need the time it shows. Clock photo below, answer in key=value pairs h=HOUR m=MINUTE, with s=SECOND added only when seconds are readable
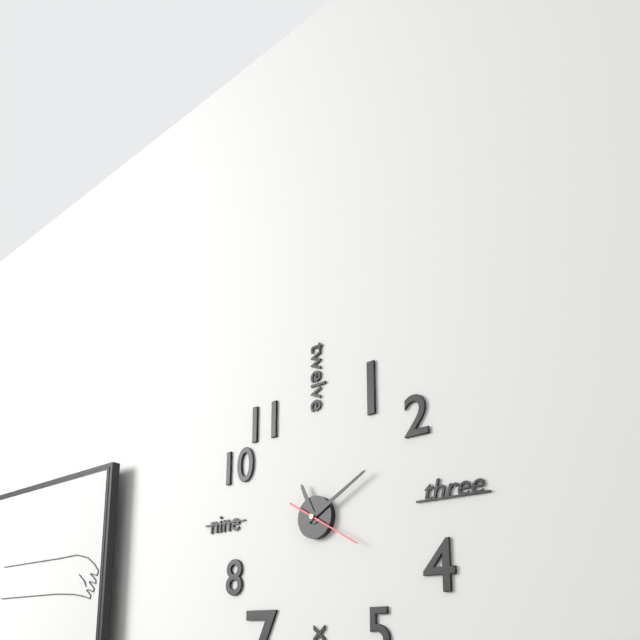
h=11 m=10 s=20
